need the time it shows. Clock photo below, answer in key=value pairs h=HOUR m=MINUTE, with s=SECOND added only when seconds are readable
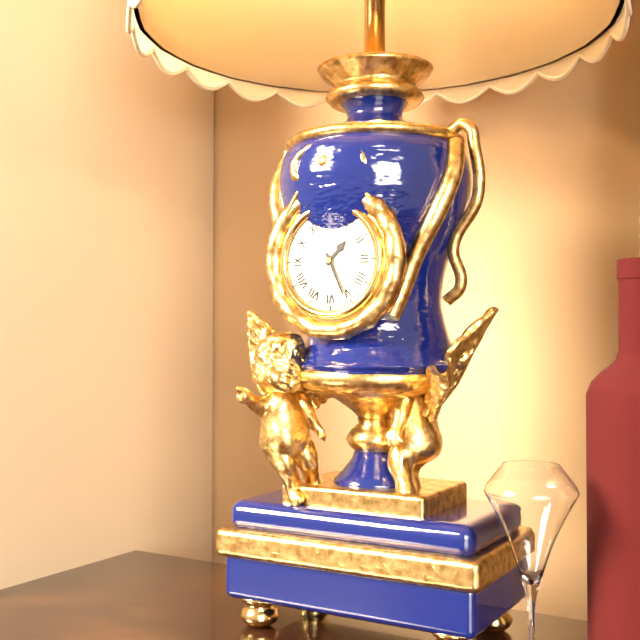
h=1 m=26
